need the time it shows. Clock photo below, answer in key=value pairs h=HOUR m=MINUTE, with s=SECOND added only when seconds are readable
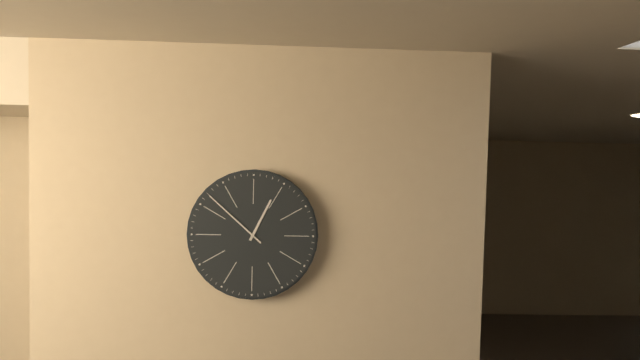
h=12 m=52
